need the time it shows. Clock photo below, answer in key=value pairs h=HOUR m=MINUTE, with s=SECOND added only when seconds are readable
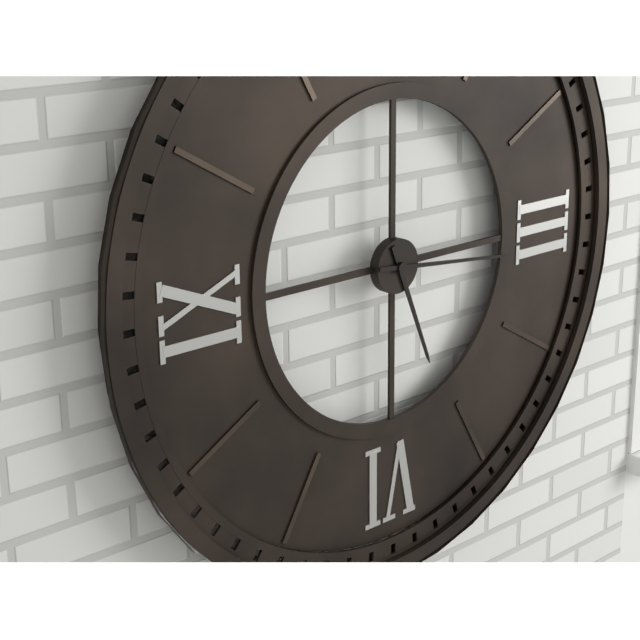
h=5 m=16
